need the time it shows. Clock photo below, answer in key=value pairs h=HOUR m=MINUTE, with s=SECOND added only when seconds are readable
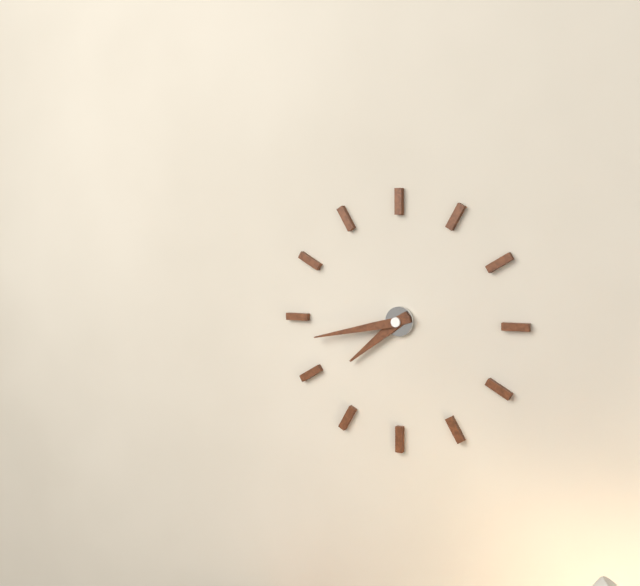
h=7 m=43
